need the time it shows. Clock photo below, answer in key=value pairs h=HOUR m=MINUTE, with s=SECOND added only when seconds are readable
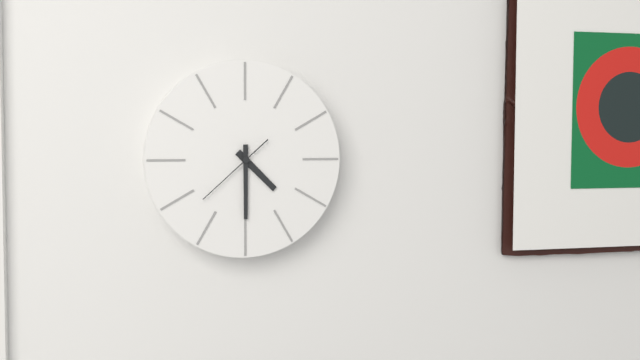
h=4 m=30 s=38
